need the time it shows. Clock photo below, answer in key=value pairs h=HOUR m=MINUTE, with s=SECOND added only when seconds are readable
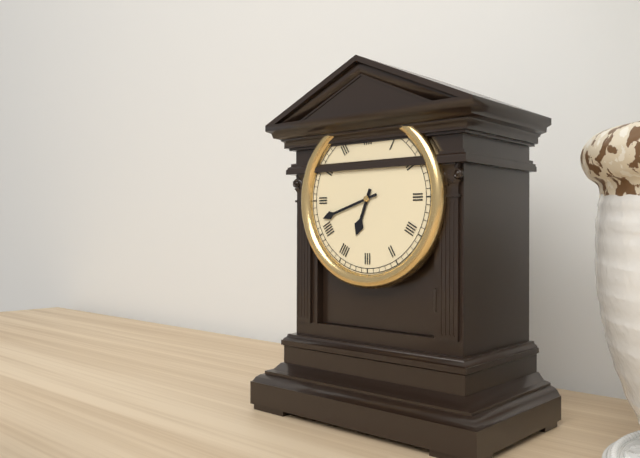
h=6 m=42
